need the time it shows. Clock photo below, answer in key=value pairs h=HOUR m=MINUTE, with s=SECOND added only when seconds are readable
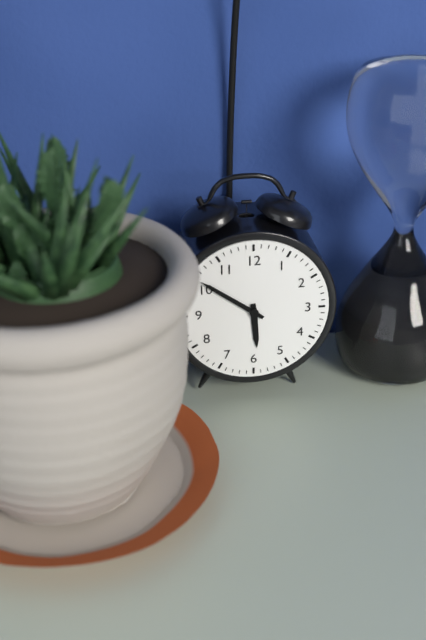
h=5 m=51
